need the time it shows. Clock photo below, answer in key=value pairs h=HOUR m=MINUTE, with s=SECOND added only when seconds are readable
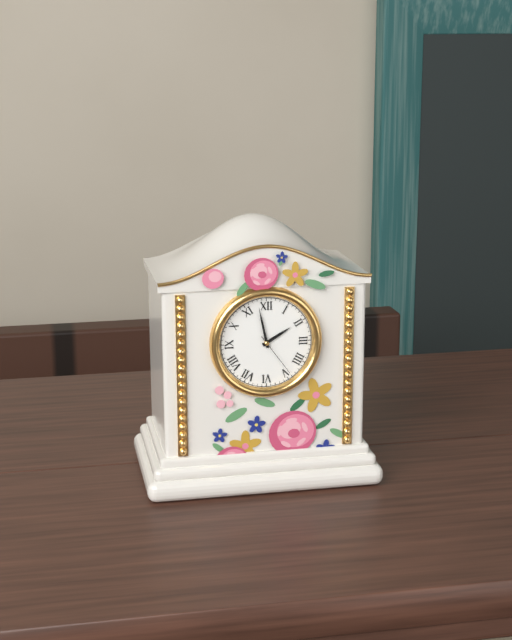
h=1 m=58
